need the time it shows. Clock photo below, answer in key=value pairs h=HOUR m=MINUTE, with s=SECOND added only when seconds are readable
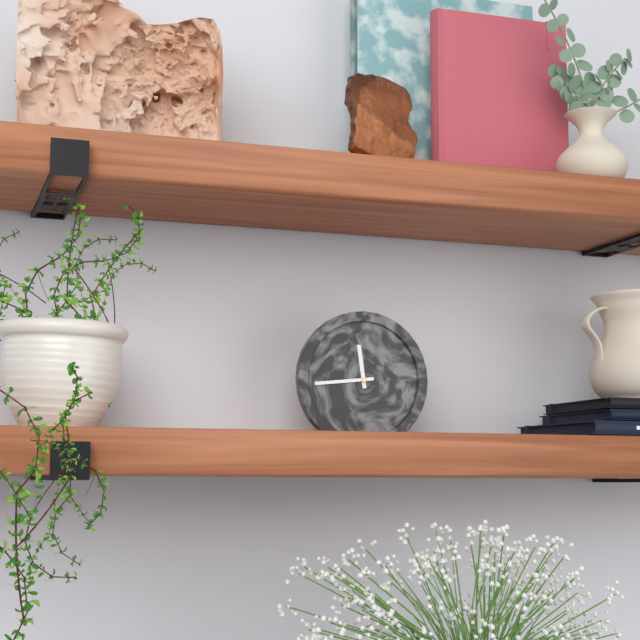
h=11 m=44
